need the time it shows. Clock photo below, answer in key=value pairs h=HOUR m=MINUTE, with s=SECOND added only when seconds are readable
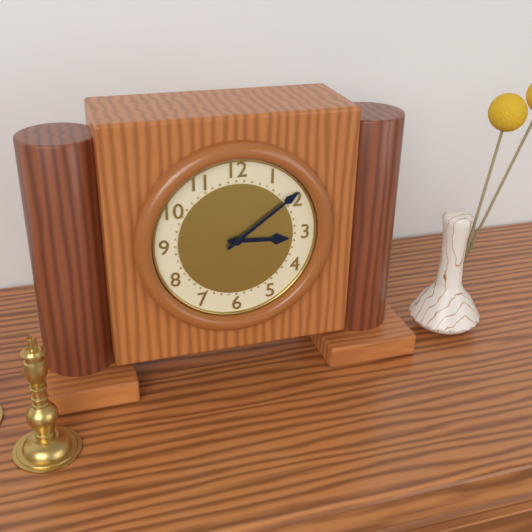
h=3 m=9
